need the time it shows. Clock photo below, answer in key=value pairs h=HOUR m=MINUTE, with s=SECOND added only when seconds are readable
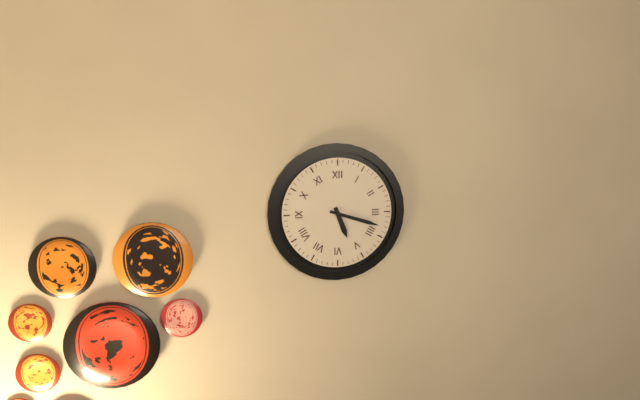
h=5 m=18
